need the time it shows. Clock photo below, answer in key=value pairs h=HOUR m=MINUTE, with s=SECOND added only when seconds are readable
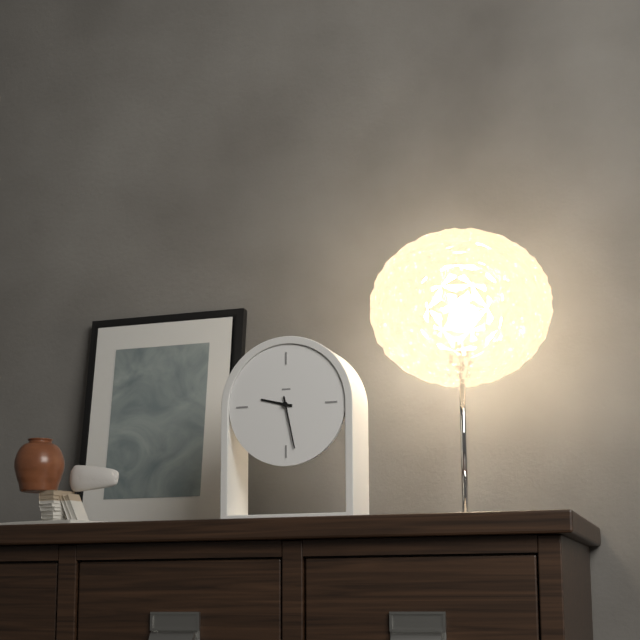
h=9 m=28
